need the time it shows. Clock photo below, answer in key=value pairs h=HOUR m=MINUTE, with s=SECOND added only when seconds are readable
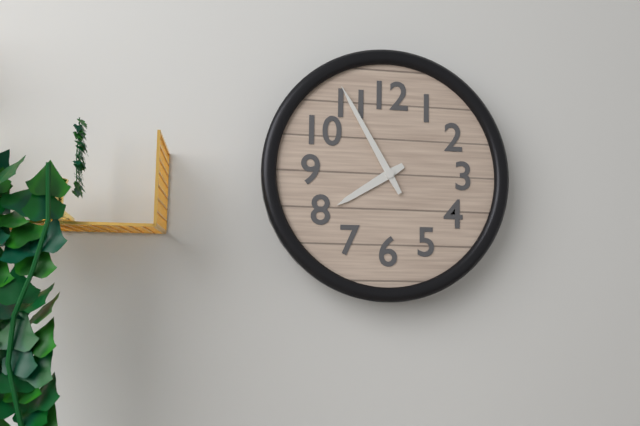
h=7 m=55
